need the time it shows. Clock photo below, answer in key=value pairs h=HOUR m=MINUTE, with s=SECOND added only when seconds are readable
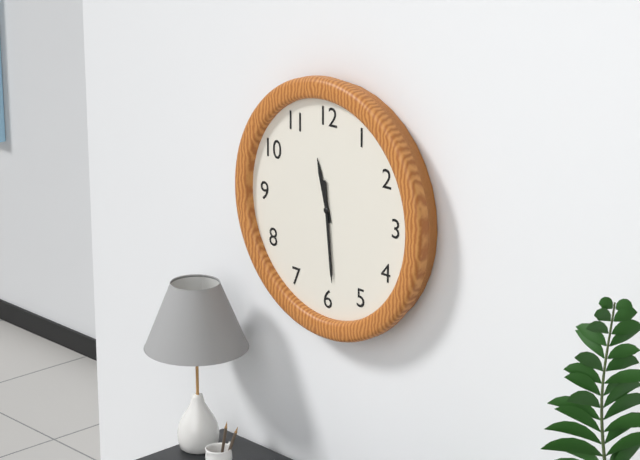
h=11 m=29
